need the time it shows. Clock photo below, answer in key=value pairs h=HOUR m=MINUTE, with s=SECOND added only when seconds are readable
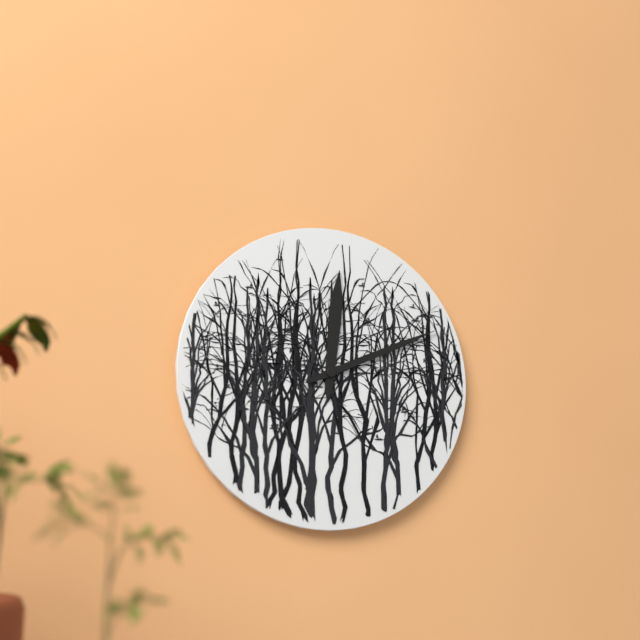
h=12 m=11
